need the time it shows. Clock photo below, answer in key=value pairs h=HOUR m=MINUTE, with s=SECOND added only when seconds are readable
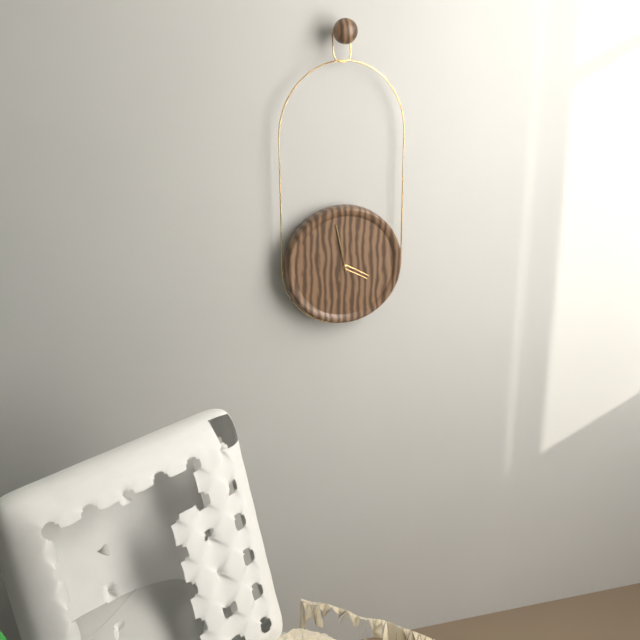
h=3 m=58
